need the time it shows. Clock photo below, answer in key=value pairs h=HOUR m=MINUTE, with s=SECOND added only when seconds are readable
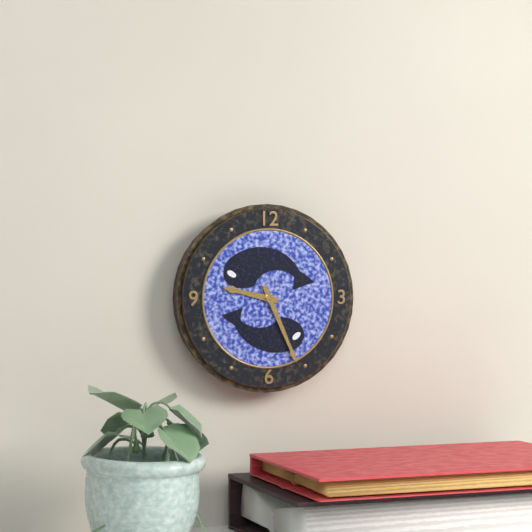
h=9 m=26
